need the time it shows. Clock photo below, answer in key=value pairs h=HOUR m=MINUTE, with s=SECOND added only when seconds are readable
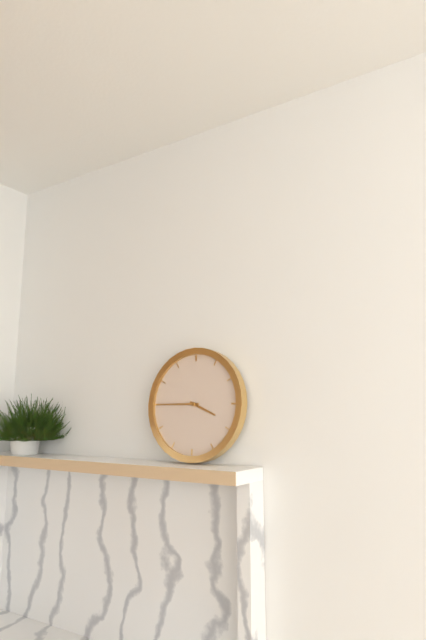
h=3 m=45
